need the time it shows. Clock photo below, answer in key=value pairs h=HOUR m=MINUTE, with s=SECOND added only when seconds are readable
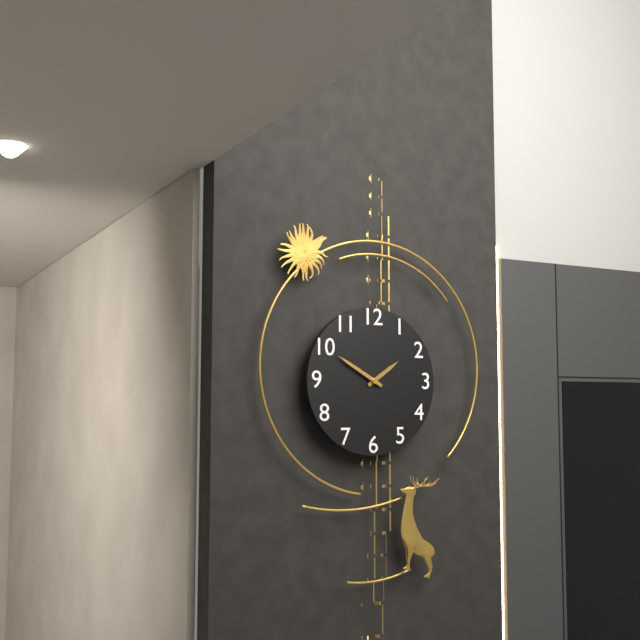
h=1 m=50
